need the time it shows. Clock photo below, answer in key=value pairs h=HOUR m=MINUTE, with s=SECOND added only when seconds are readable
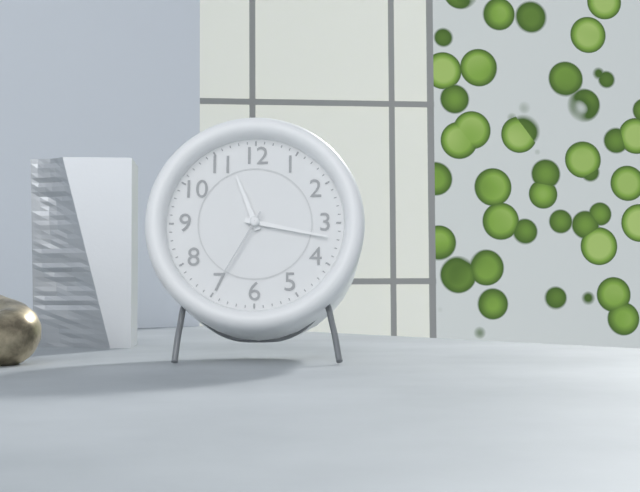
h=11 m=17 s=35
